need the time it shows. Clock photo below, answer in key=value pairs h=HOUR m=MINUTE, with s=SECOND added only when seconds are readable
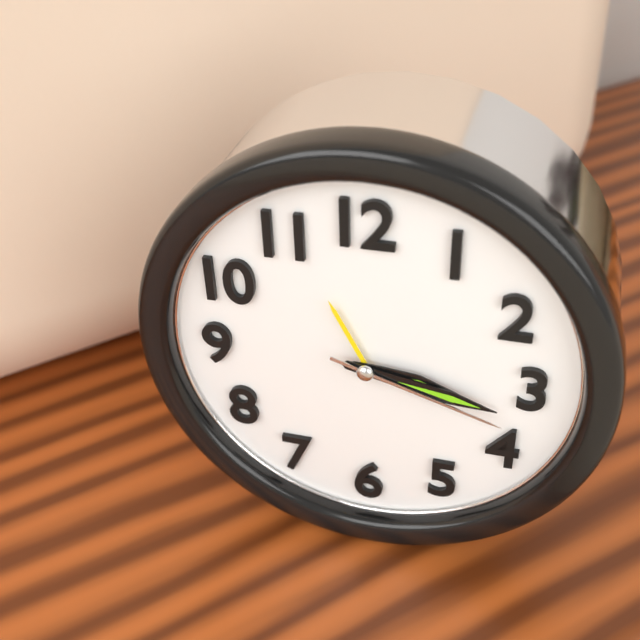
h=3 m=17 s=18
